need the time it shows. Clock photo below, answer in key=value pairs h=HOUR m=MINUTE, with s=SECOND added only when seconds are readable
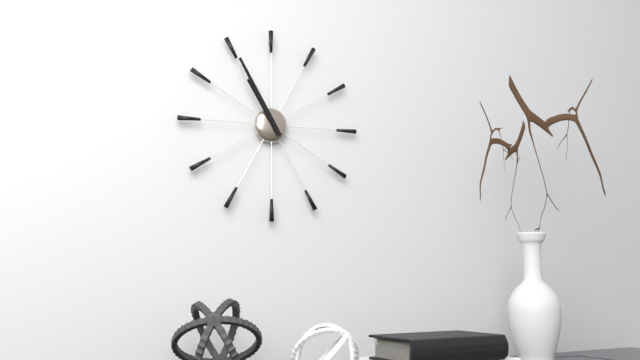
h=10 m=55
